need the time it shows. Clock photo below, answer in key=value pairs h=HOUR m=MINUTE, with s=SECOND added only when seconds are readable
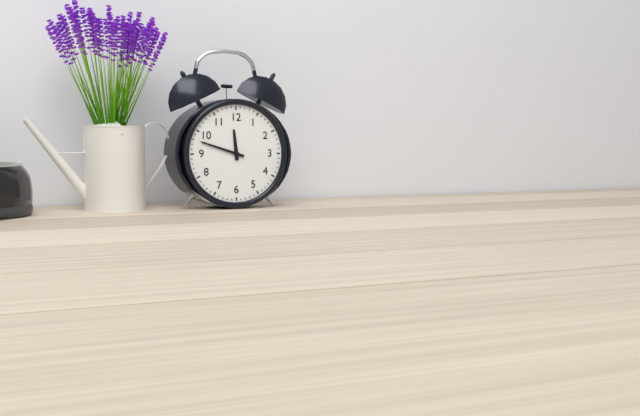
h=11 m=48
